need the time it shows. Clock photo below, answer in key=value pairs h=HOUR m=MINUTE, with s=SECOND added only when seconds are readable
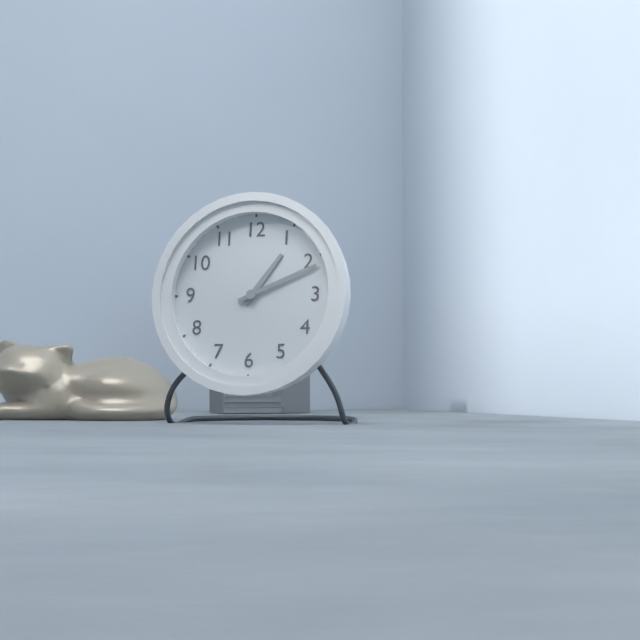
h=1 m=11
